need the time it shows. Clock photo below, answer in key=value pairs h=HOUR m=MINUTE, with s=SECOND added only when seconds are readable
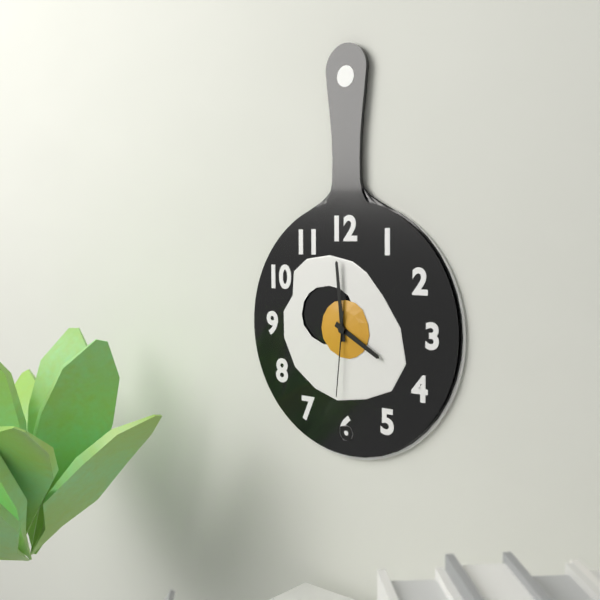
h=3 m=59 s=31
